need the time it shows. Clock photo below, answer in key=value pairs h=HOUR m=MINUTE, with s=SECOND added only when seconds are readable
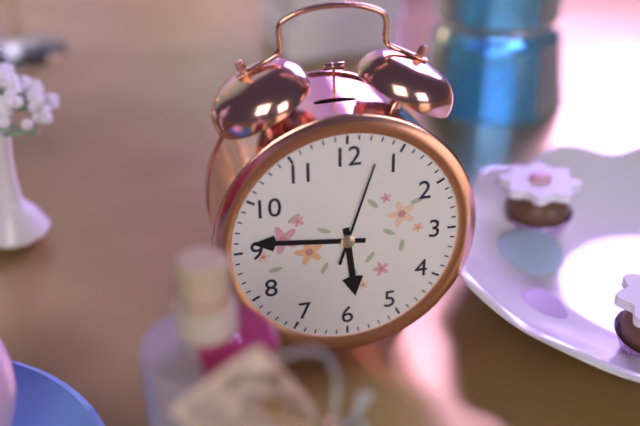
h=5 m=46 s=3
